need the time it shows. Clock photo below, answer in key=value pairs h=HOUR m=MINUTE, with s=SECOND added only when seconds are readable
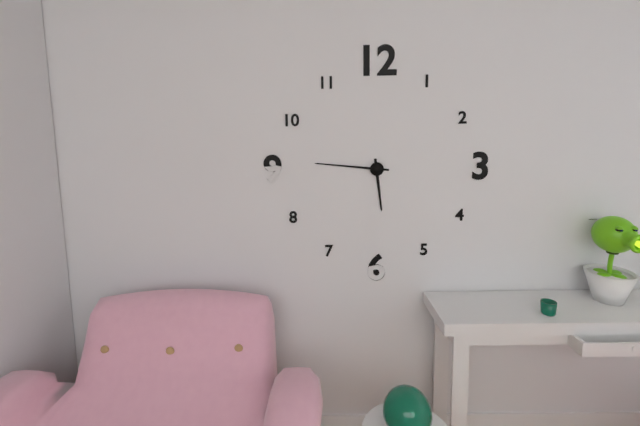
h=5 m=46
